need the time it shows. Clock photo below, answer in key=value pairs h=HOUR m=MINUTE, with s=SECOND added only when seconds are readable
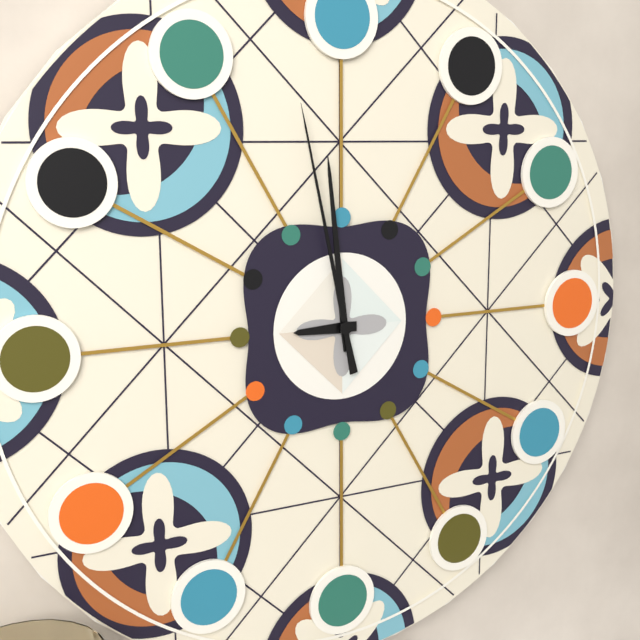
h=8 m=59 s=58
